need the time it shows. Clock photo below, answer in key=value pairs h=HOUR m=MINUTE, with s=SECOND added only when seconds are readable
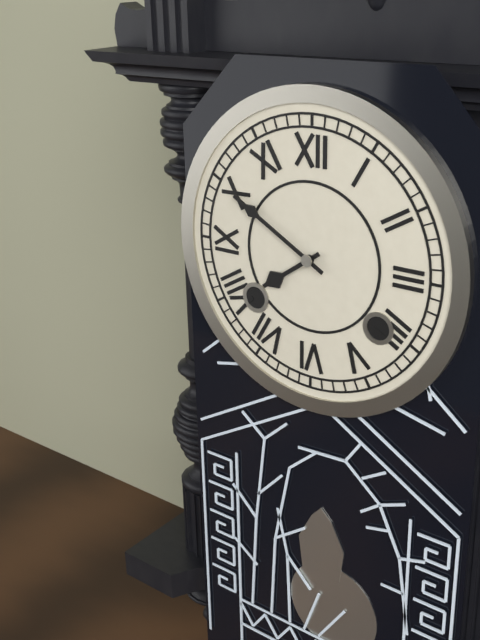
h=7 m=50
